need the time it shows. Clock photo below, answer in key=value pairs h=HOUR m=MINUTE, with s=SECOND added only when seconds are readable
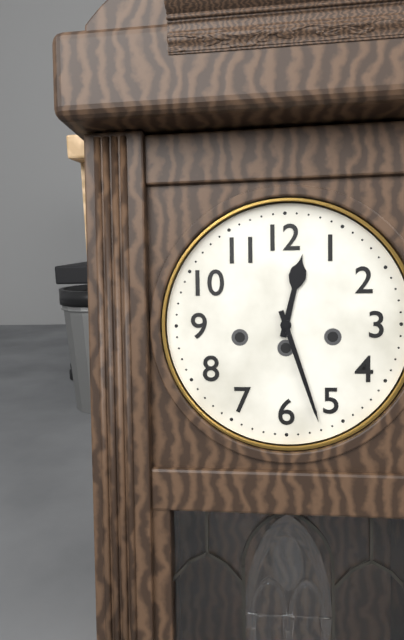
h=12 m=27
